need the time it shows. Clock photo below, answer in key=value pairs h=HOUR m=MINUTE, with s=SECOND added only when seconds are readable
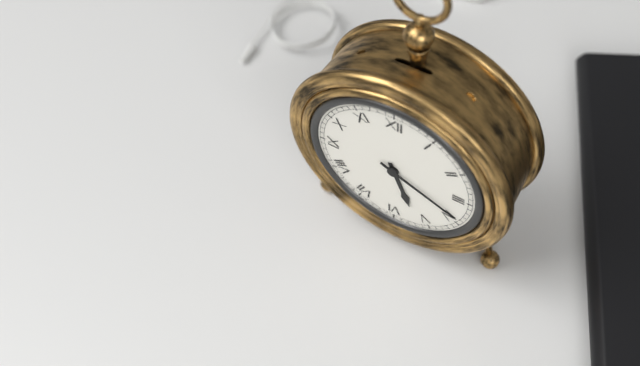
h=5 m=19
